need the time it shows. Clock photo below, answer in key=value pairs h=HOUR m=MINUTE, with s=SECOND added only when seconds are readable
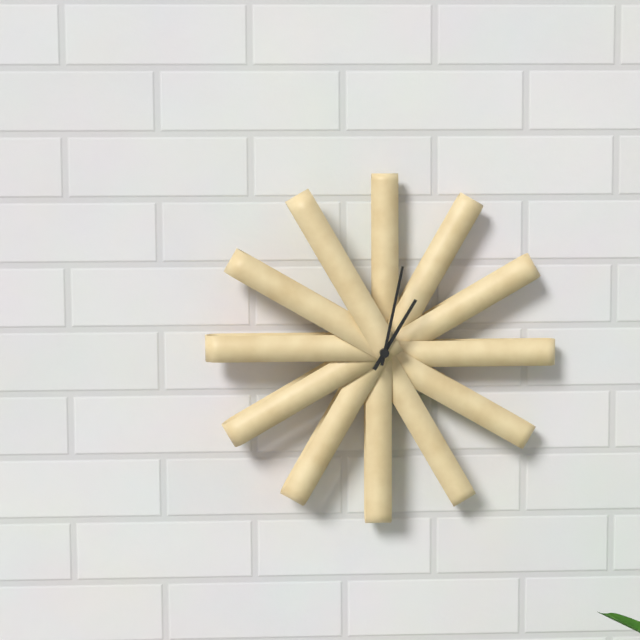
h=1 m=2
